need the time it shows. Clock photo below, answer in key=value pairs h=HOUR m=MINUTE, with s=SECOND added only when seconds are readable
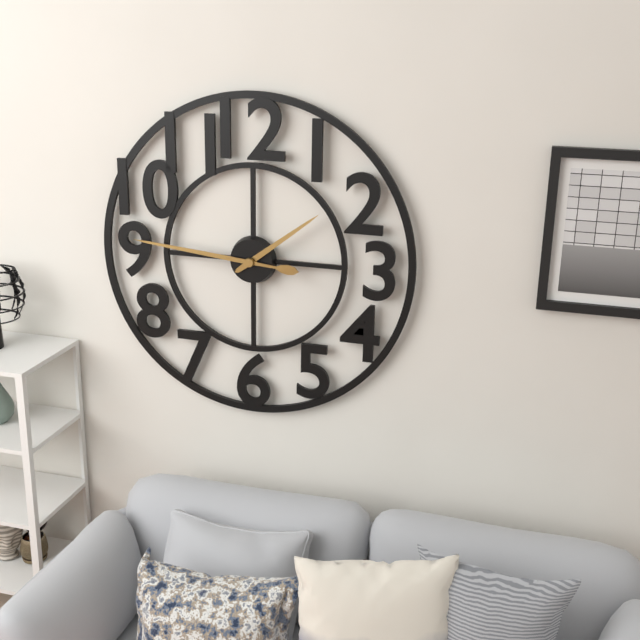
h=1 m=46
